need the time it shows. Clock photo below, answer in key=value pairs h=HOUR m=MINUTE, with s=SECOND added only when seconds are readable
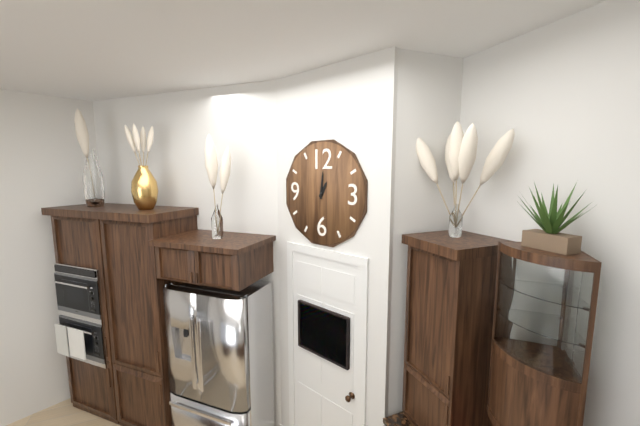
h=1 m=1
